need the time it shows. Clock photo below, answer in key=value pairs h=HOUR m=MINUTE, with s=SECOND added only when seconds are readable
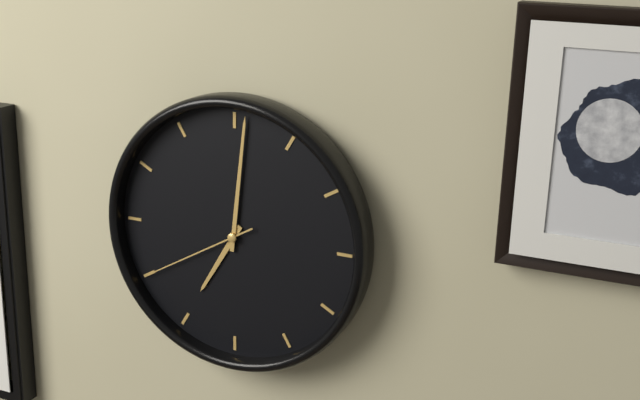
h=7 m=1 s=40
